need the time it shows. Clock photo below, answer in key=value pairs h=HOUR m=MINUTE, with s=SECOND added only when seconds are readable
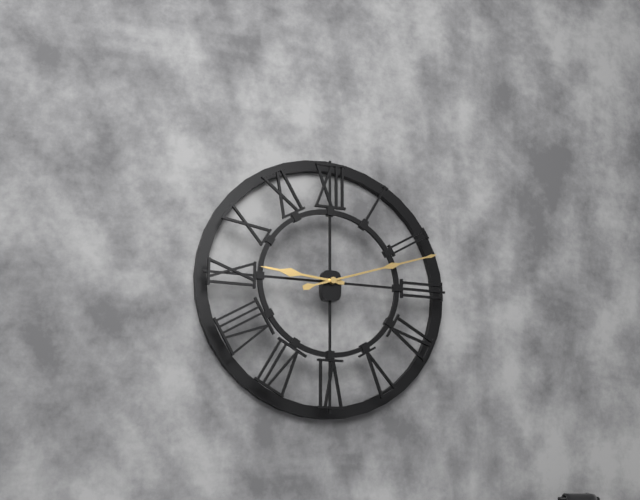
h=9 m=12
